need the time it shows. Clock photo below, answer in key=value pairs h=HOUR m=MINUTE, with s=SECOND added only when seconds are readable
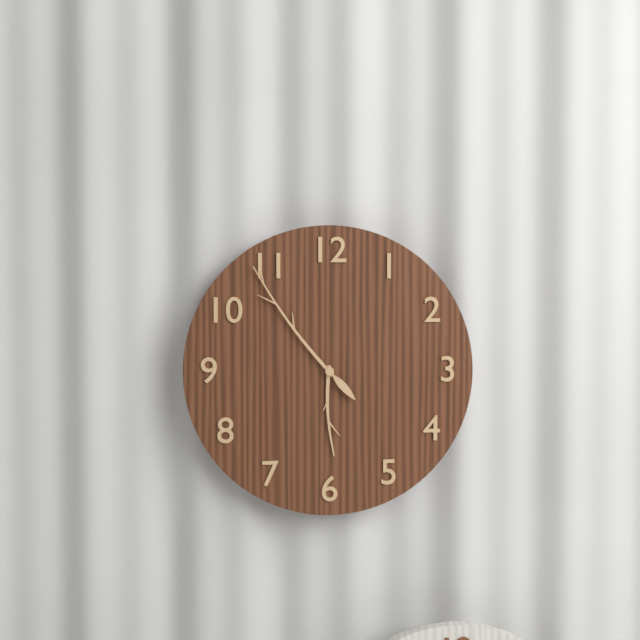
h=5 m=54
